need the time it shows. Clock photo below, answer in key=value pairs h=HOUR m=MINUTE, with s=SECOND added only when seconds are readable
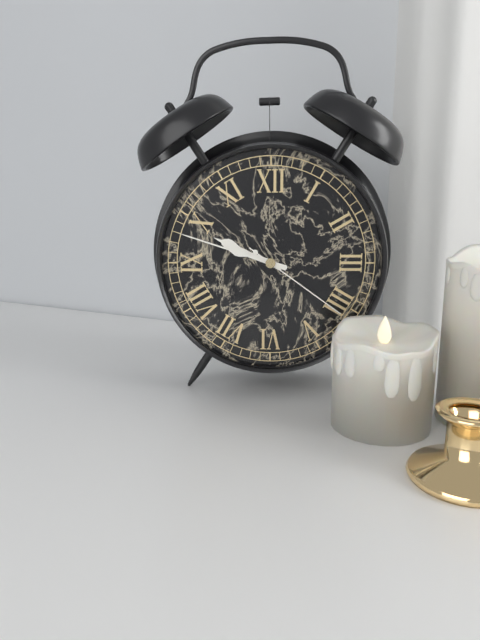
h=9 m=48 s=21
